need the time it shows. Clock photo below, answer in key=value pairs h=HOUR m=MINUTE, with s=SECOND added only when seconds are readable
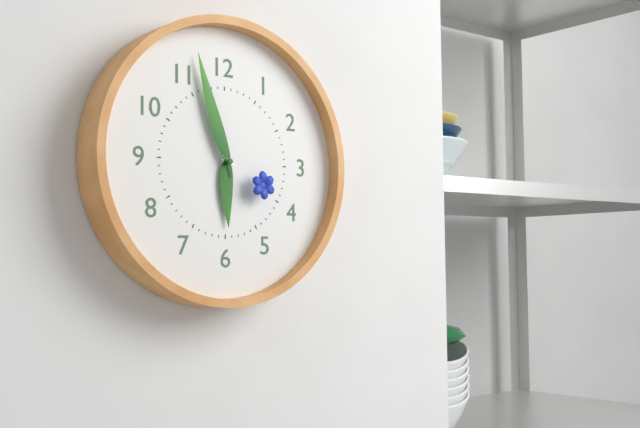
h=5 m=57 s=20
